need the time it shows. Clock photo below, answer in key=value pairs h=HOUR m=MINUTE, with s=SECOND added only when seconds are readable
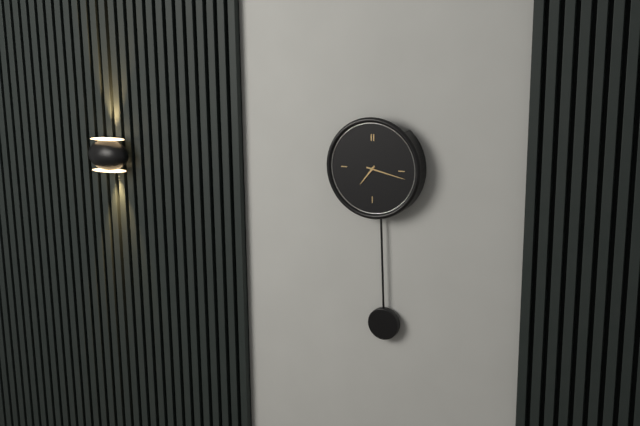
h=7 m=17
